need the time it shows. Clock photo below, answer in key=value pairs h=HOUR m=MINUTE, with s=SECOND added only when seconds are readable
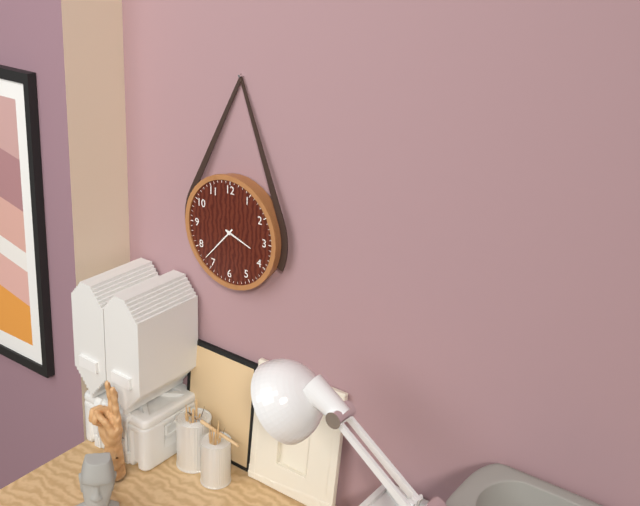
h=3 m=37
